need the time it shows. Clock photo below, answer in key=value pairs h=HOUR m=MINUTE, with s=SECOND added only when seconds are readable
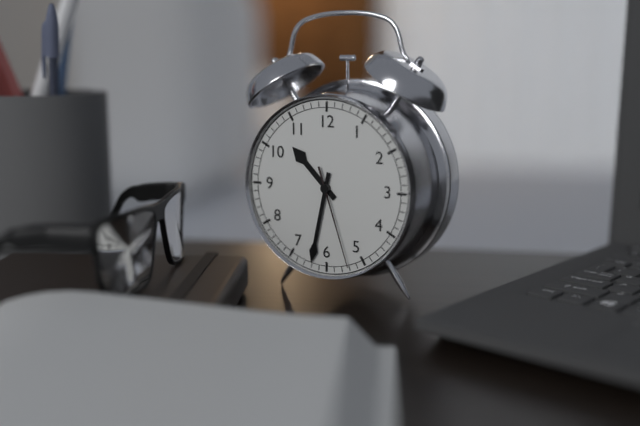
h=10 m=32 s=27
